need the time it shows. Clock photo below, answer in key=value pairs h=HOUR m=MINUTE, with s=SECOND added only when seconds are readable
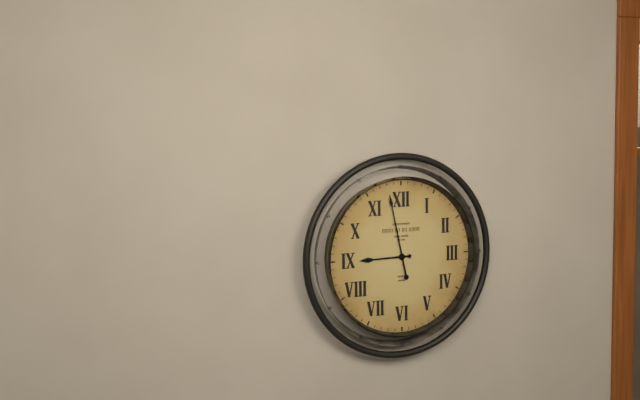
h=8 m=58
